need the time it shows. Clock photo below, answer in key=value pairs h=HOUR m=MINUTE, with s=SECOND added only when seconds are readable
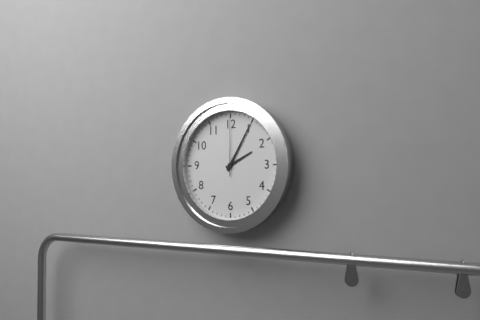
h=2 m=5 s=0
